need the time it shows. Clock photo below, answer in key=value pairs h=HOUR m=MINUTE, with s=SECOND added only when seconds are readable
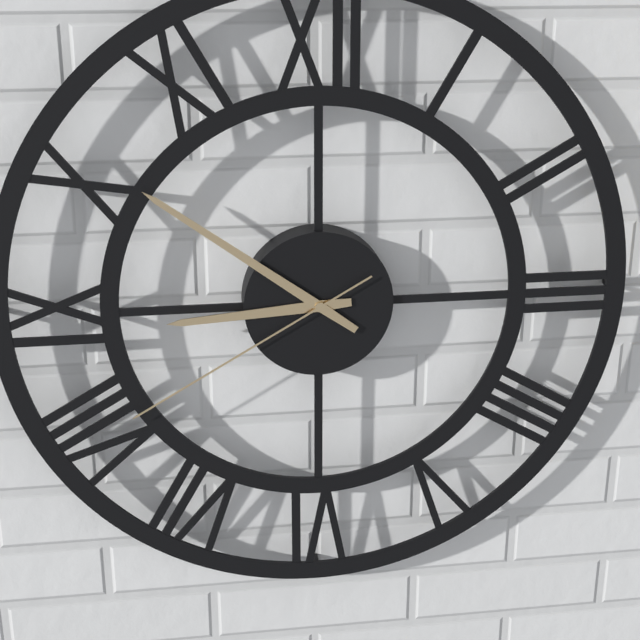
h=8 m=51 s=40
